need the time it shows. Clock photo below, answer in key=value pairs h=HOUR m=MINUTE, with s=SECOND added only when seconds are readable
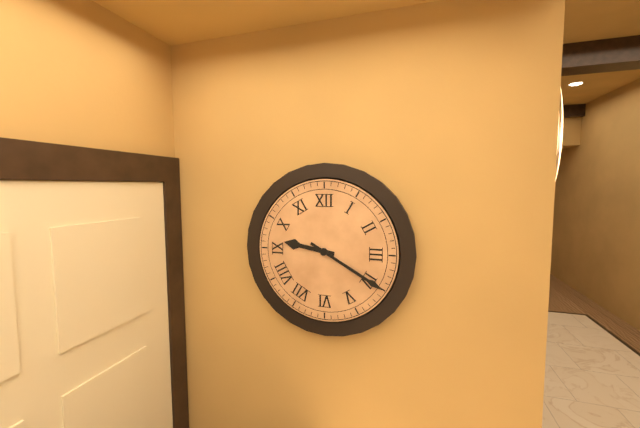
h=9 m=20
